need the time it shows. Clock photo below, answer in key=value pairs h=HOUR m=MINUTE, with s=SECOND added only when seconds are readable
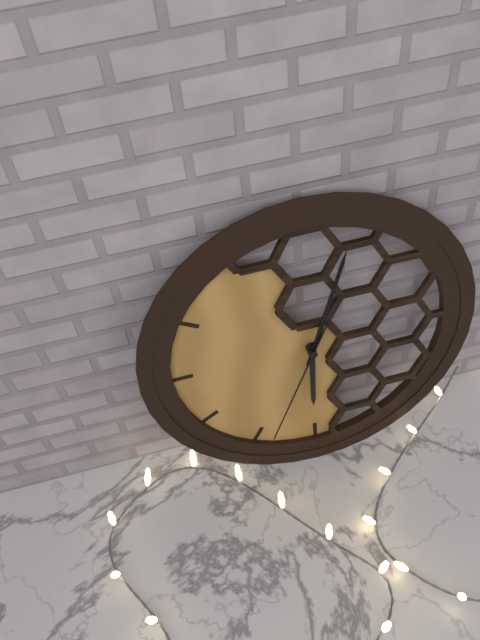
h=6 m=3 s=34
